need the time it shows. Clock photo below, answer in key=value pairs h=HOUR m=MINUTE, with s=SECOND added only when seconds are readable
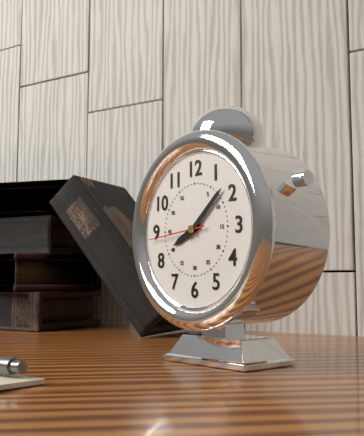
h=8 m=8 s=44
